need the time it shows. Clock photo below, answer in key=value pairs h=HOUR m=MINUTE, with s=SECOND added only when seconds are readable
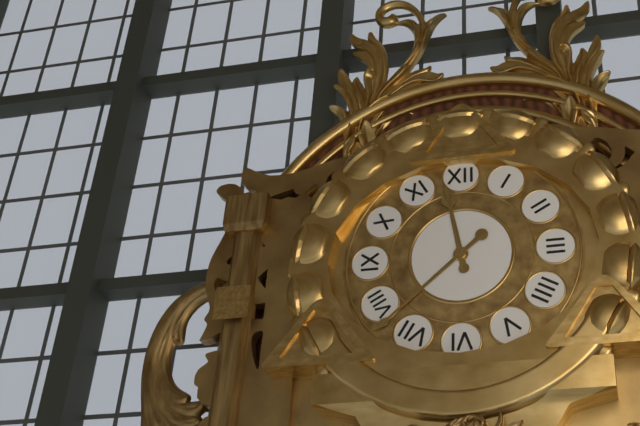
h=11 m=38
